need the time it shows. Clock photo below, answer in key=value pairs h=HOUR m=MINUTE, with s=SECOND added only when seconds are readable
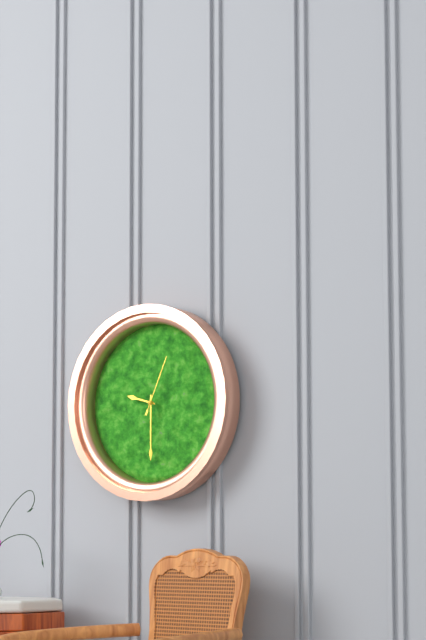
h=9 m=30 s=4
